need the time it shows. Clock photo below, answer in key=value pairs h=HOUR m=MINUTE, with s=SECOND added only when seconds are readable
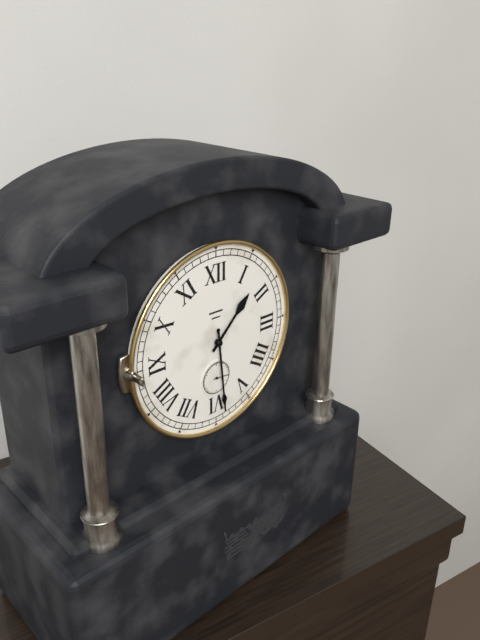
h=1 m=29
